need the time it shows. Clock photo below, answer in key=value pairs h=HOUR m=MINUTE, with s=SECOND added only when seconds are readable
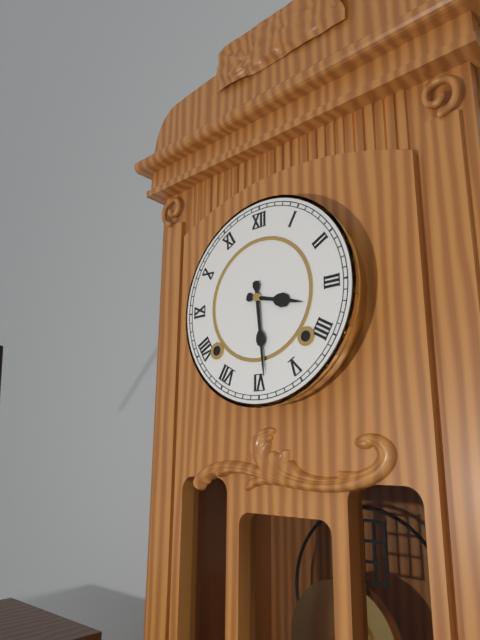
h=3 m=29
